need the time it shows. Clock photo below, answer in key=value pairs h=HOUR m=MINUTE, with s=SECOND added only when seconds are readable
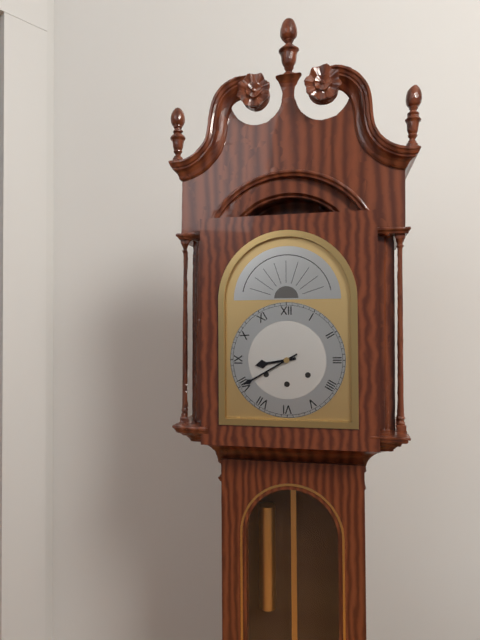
h=8 m=40
